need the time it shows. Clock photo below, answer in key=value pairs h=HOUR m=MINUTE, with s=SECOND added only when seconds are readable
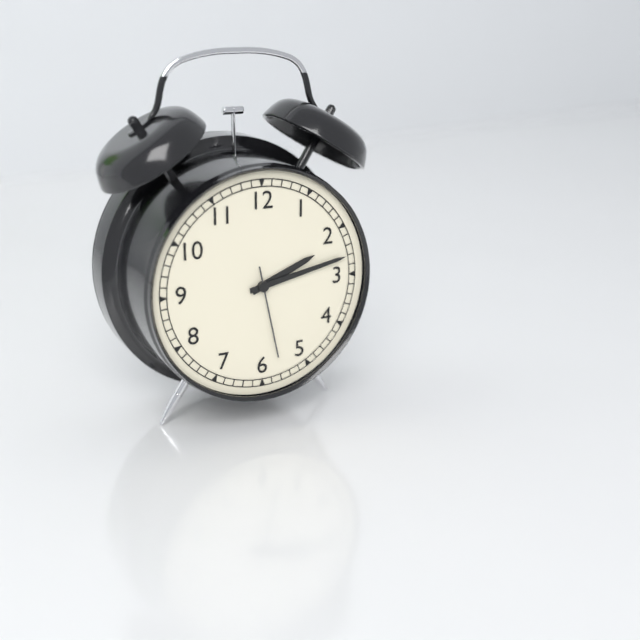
h=2 m=13 s=28
